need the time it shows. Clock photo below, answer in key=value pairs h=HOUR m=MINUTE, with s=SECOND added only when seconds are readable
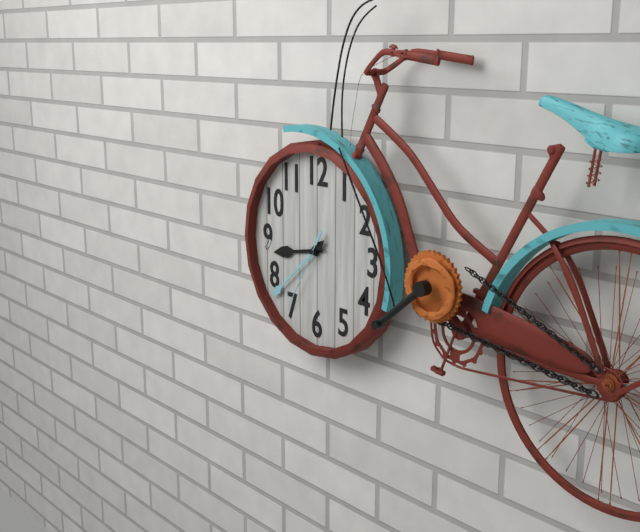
h=8 m=38 s=35
